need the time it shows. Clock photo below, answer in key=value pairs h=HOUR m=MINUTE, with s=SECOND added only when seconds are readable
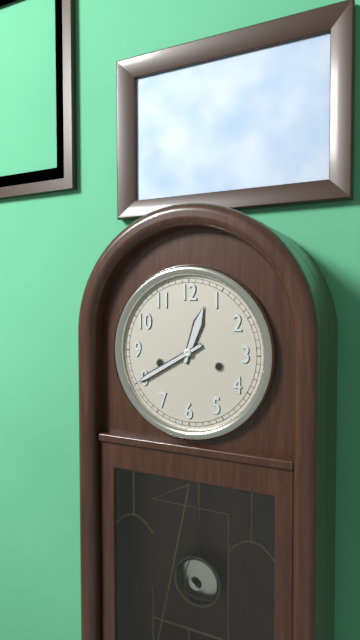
h=12 m=40
